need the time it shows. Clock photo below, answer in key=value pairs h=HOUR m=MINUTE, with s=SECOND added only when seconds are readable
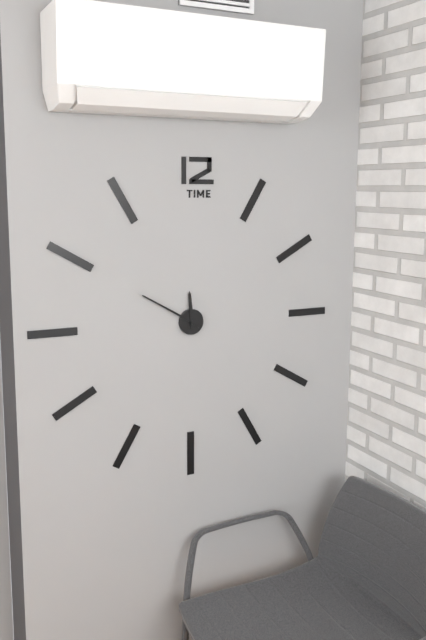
h=11 m=50
